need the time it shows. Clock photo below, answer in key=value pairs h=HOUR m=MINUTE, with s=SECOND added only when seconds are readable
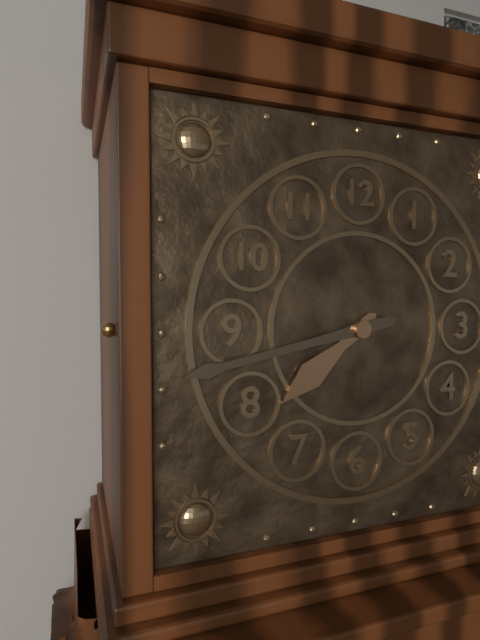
h=7 m=43
